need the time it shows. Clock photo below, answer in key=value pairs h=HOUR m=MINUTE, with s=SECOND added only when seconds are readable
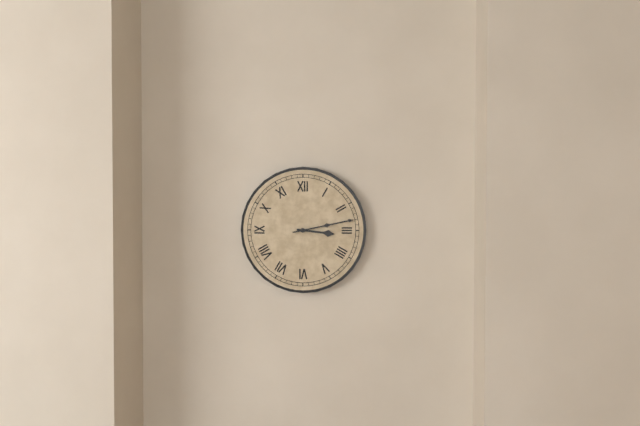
h=3 m=13
